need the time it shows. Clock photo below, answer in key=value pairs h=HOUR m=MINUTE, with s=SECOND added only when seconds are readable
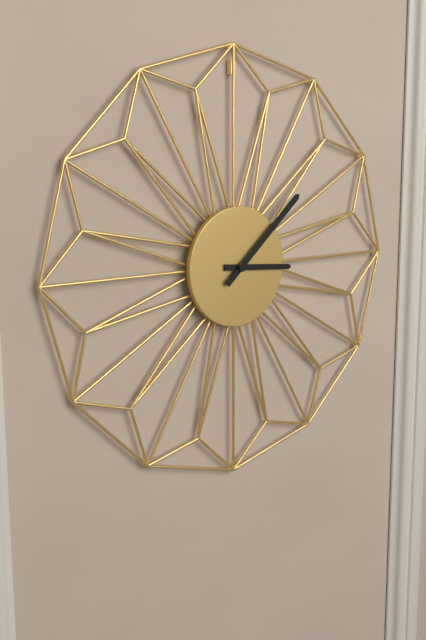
h=3 m=8
